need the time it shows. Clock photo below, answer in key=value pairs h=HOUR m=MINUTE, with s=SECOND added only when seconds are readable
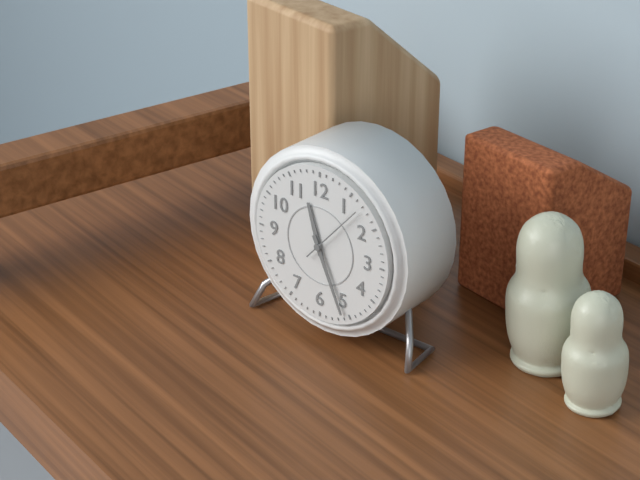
h=11 m=26 s=7
